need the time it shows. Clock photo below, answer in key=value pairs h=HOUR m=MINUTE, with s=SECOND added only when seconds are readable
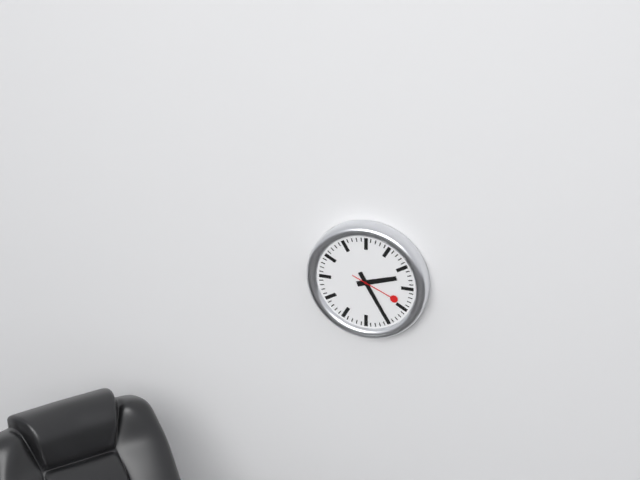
h=2 m=25
